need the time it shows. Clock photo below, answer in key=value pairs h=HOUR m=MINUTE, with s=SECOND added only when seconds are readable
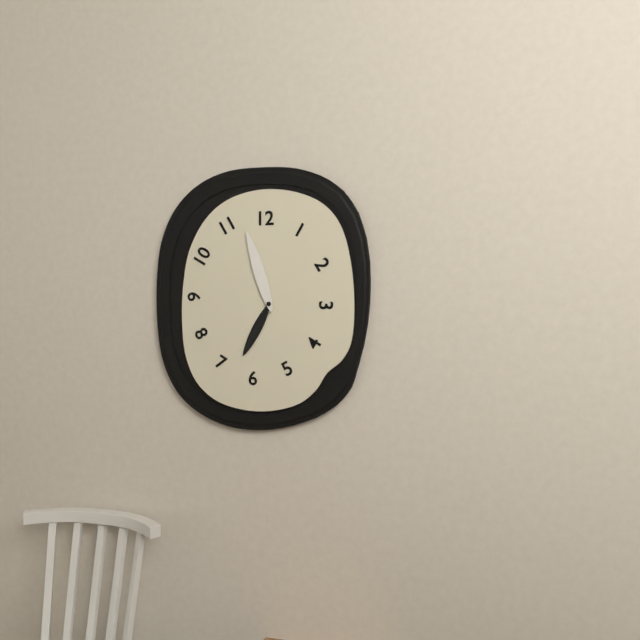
h=6 m=57
